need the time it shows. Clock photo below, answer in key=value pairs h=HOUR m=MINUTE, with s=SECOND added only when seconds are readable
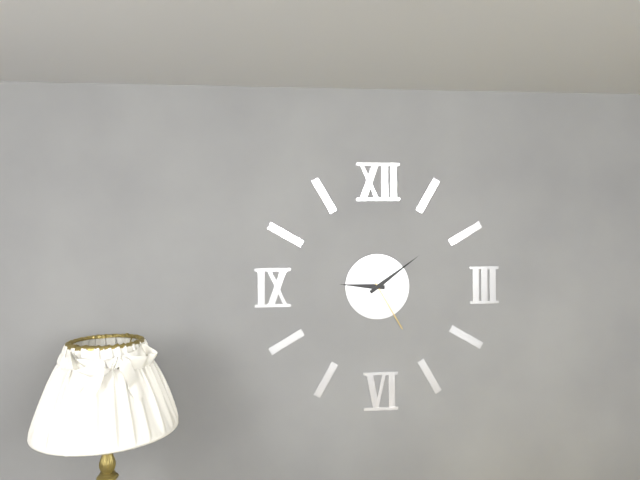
h=9 m=9 s=25
